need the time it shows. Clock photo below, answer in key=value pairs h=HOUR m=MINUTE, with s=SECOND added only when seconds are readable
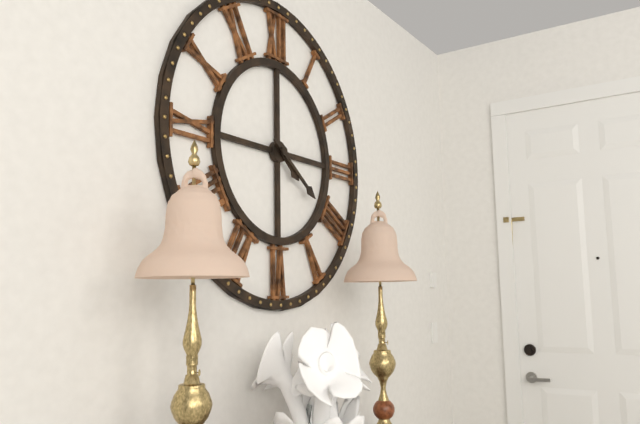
h=4 m=21
